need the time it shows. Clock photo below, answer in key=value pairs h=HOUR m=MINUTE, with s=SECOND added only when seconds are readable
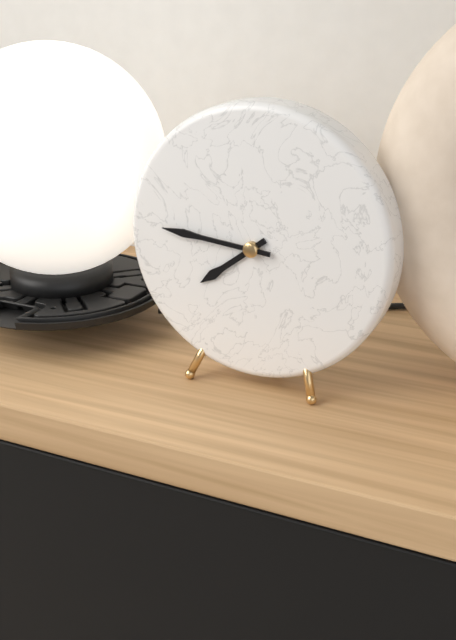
h=7 m=46
